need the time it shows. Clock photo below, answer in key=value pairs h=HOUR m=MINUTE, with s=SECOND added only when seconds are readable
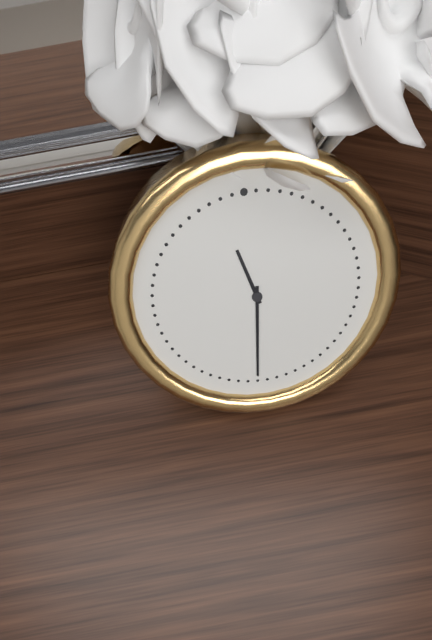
h=11 m=31
